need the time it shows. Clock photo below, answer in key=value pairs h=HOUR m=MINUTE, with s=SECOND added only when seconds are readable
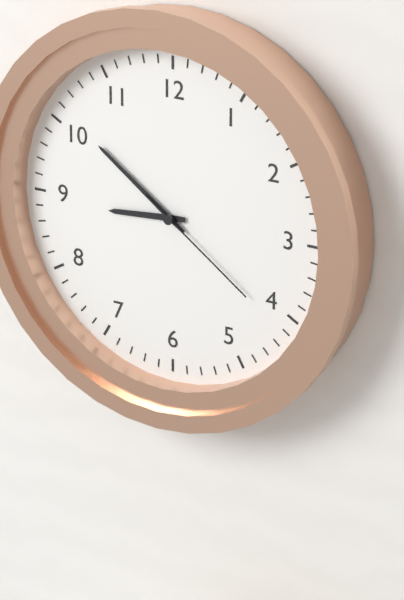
h=8 m=51 s=21
